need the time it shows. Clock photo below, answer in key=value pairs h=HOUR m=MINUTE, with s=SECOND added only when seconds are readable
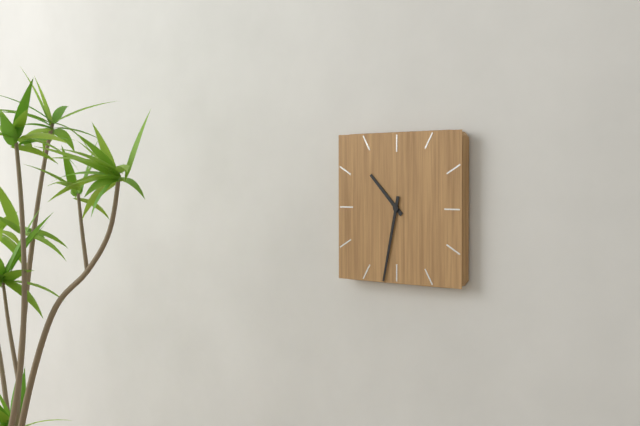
h=10 m=32
